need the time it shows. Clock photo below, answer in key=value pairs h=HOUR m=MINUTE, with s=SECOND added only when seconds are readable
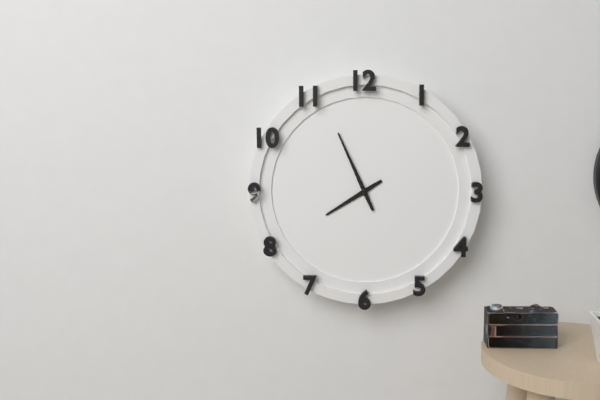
h=7 m=56
